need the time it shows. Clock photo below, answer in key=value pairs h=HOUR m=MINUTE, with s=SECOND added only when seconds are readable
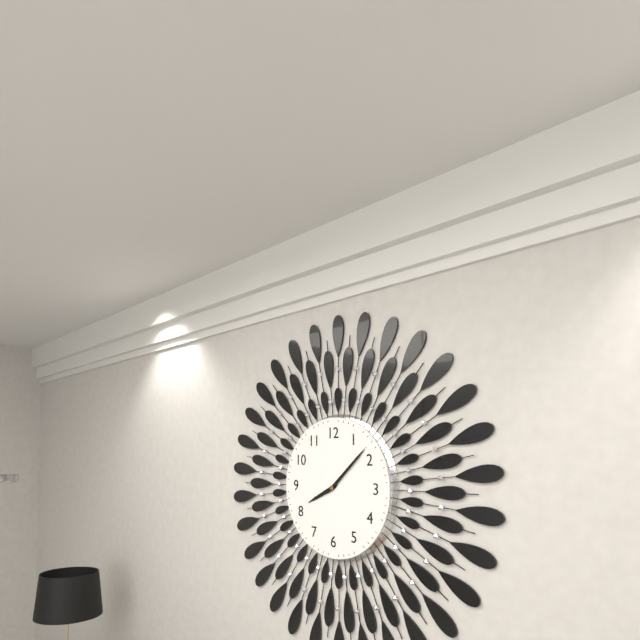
h=8 m=8
